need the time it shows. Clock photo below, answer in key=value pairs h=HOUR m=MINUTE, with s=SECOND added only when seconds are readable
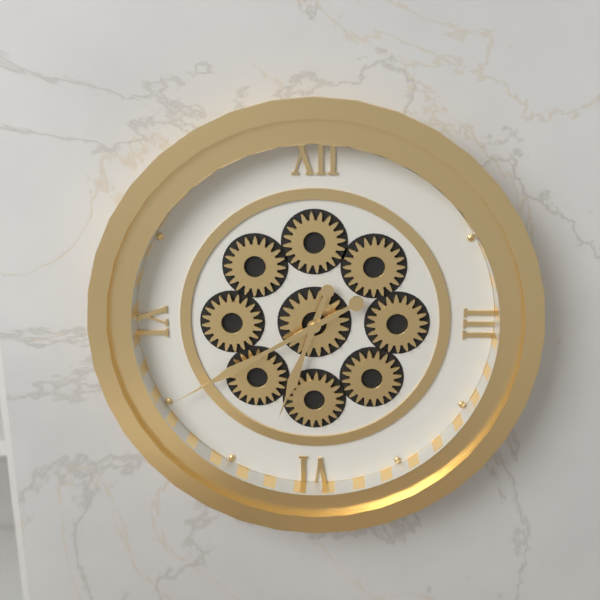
h=6 m=40
